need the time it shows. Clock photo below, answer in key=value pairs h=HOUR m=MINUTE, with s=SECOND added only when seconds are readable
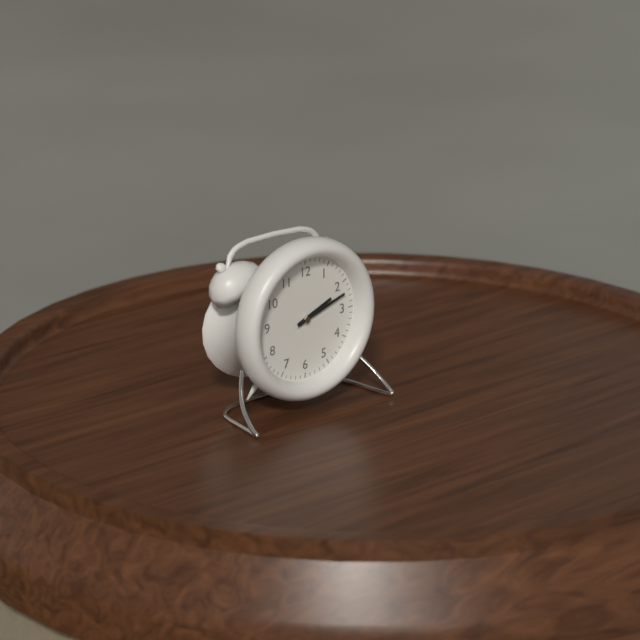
h=2 m=12
